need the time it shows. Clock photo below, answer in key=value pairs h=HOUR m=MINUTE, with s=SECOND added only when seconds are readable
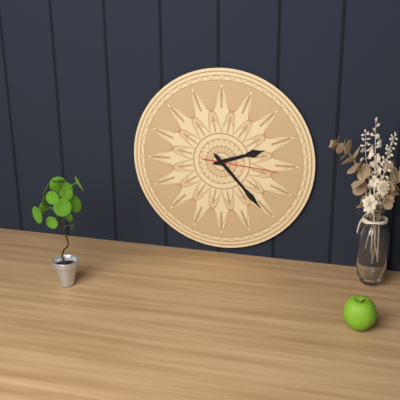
h=2 m=23 s=16
